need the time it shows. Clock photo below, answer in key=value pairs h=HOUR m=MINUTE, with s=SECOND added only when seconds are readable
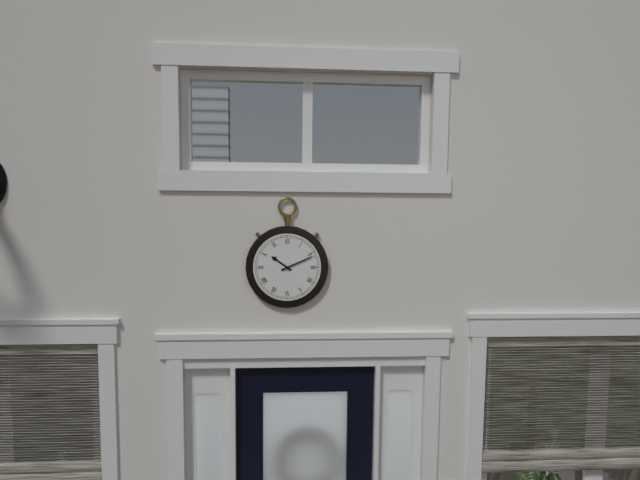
h=10 m=11
